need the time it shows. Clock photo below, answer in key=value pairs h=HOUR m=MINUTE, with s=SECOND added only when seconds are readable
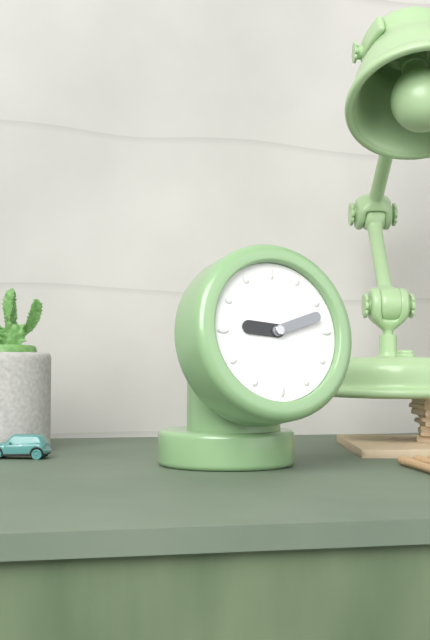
h=9 m=12
